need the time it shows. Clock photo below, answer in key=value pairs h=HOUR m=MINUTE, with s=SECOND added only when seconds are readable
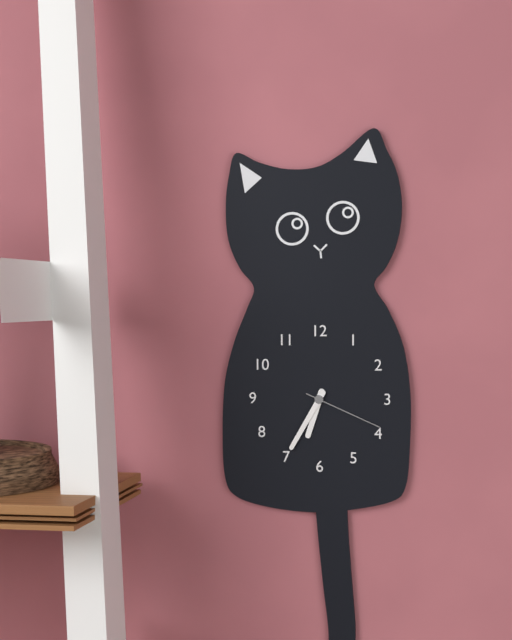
h=6 m=35 s=19
